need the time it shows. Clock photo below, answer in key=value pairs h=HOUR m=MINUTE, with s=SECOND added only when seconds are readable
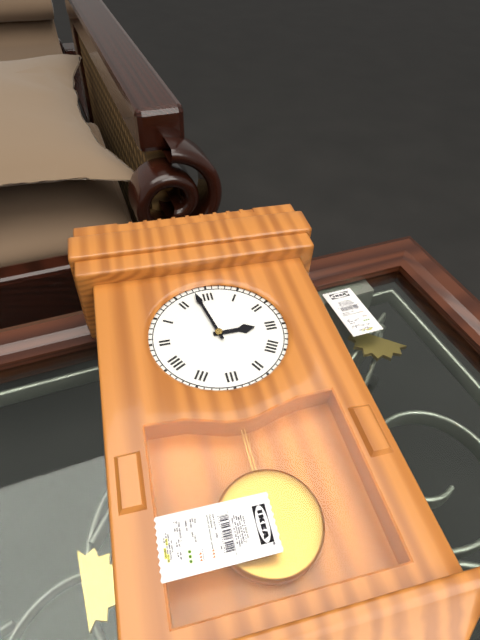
h=2 m=58
